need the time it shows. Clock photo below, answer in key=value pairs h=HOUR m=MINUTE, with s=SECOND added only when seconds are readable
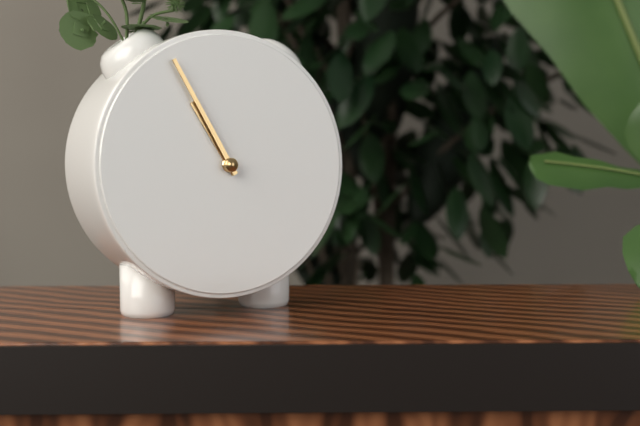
h=10 m=55
